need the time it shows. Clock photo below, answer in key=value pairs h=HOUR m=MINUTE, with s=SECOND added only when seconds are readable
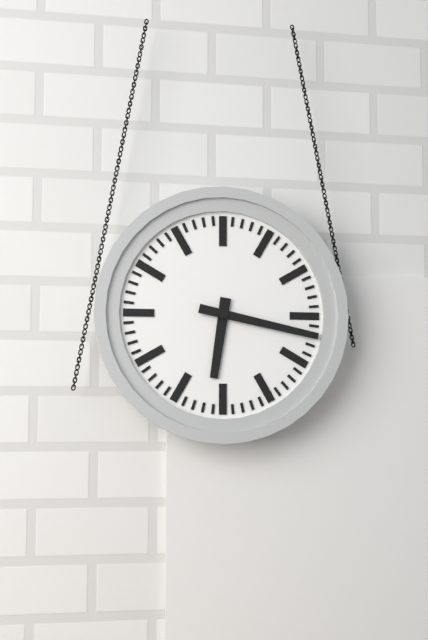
h=6 m=17
